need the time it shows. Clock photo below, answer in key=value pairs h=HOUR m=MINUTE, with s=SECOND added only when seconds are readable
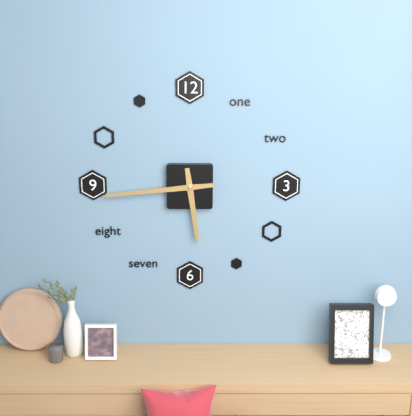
h=5 m=44
